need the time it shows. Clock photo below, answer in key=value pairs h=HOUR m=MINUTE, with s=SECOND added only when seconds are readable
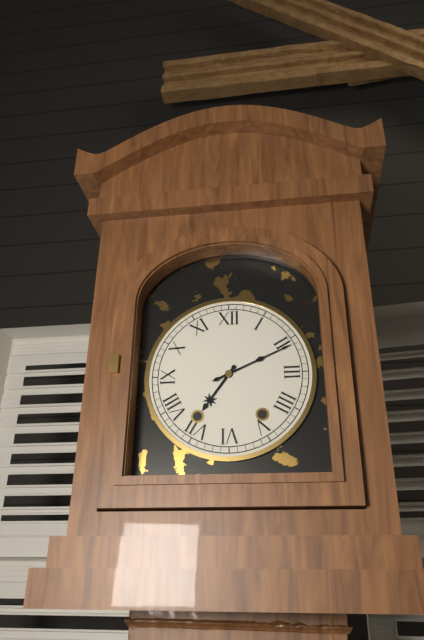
h=7 m=11
